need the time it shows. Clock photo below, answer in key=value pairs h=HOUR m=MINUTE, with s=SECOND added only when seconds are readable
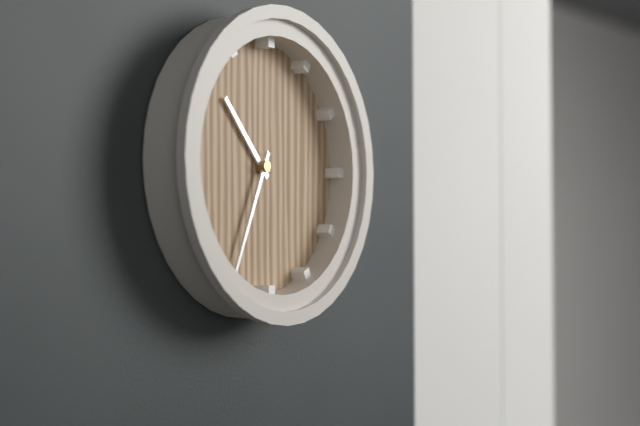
h=10 m=34
